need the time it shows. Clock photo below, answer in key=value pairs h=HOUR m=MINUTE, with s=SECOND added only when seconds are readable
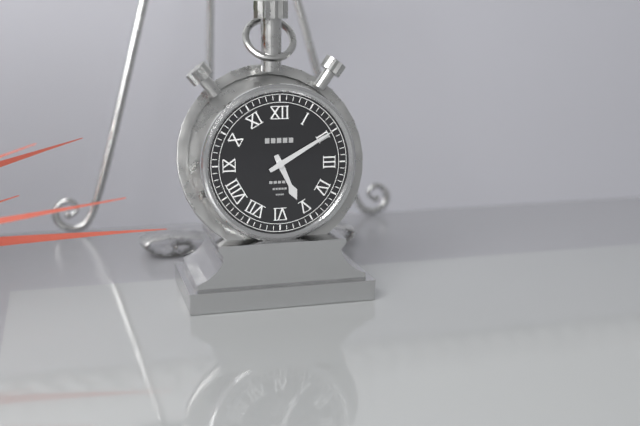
h=5 m=10
